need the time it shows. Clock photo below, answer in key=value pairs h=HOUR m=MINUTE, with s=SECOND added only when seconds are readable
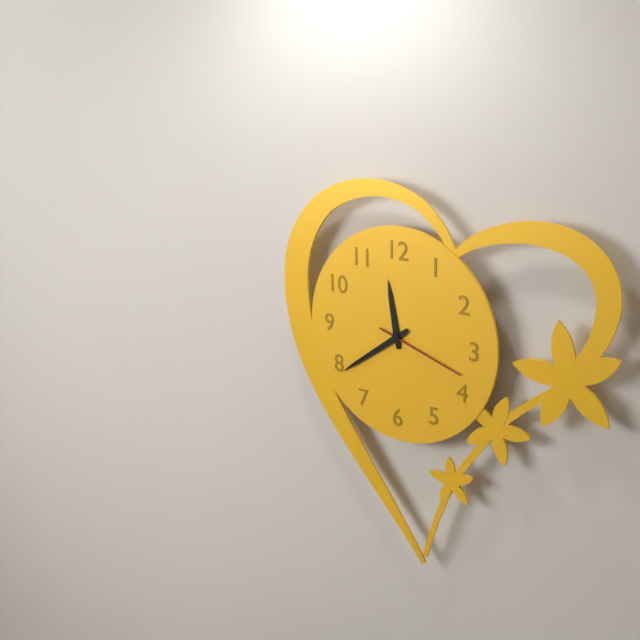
h=11 m=39 s=18
